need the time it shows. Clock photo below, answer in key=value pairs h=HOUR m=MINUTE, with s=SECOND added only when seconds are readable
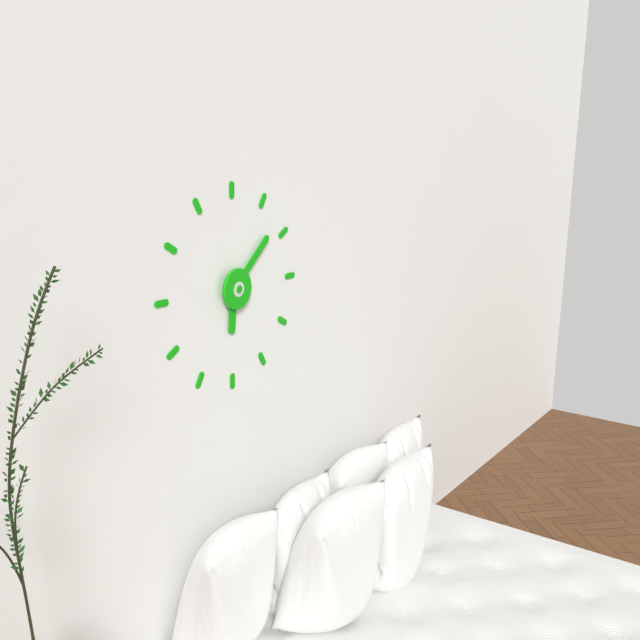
h=6 m=8
